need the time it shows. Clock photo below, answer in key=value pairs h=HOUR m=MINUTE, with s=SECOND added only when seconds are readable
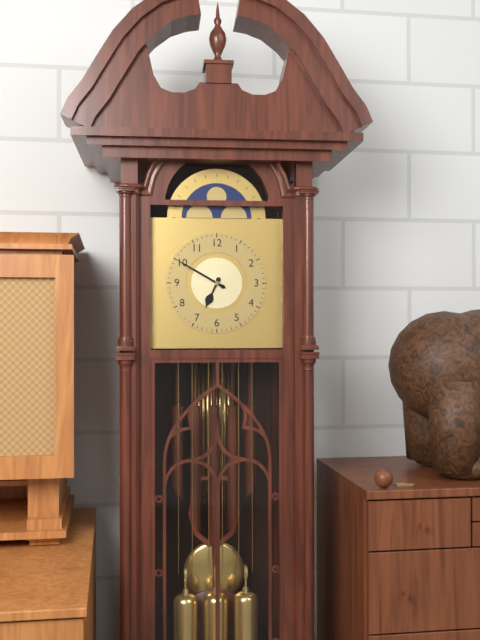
h=6 m=50
